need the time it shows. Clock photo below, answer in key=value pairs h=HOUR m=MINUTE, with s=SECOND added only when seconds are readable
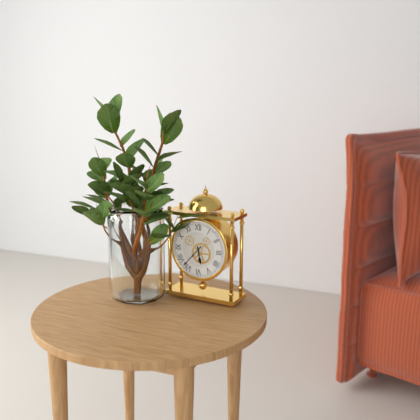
h=5 m=37
